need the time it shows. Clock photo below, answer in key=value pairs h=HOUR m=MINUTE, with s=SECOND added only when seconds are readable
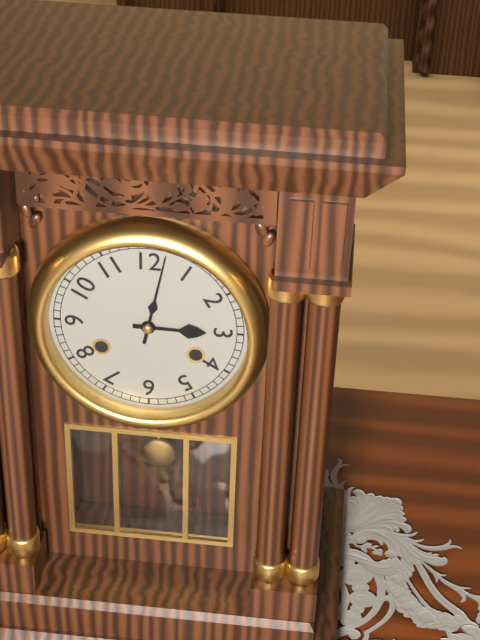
h=3 m=2
